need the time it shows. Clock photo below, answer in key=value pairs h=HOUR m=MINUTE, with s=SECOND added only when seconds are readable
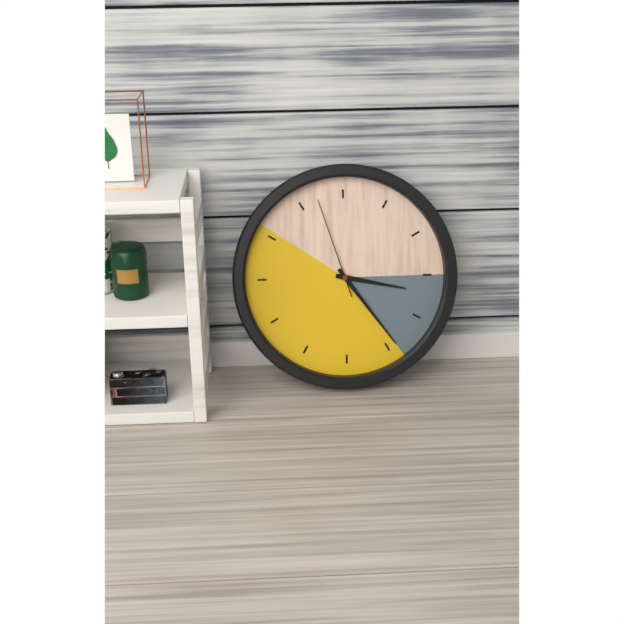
h=3 m=24 s=57
